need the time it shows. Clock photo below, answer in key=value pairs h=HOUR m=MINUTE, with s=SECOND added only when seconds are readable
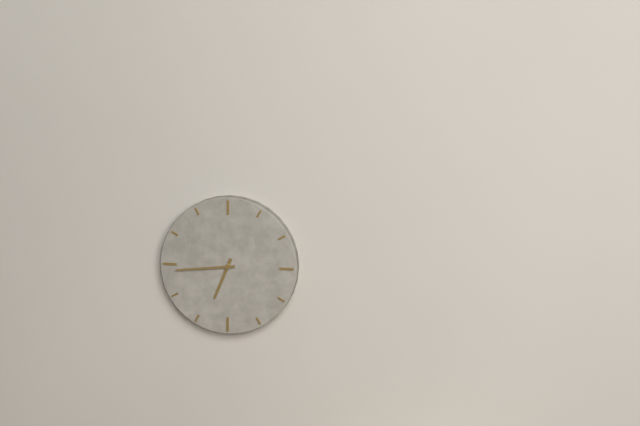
h=6 m=44
